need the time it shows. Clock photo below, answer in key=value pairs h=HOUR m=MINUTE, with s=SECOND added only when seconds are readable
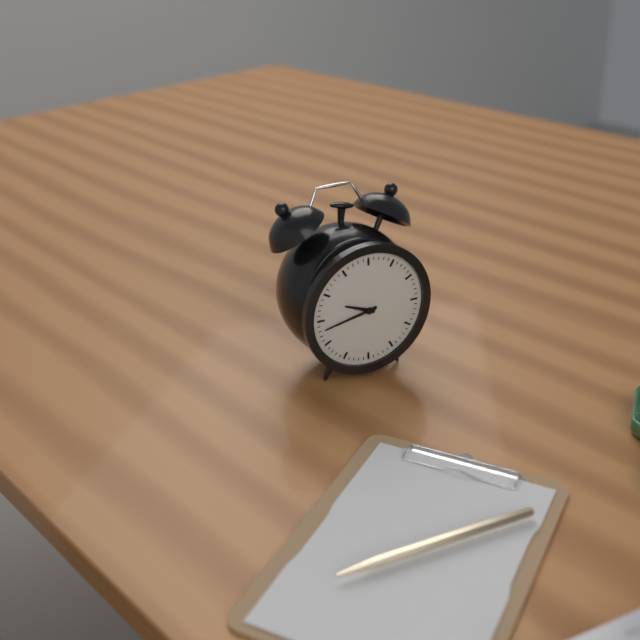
h=9 m=43
